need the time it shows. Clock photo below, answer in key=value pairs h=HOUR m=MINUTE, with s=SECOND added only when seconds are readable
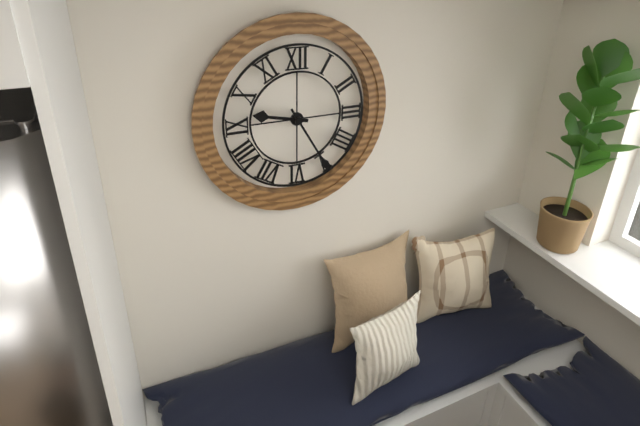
h=9 m=25
